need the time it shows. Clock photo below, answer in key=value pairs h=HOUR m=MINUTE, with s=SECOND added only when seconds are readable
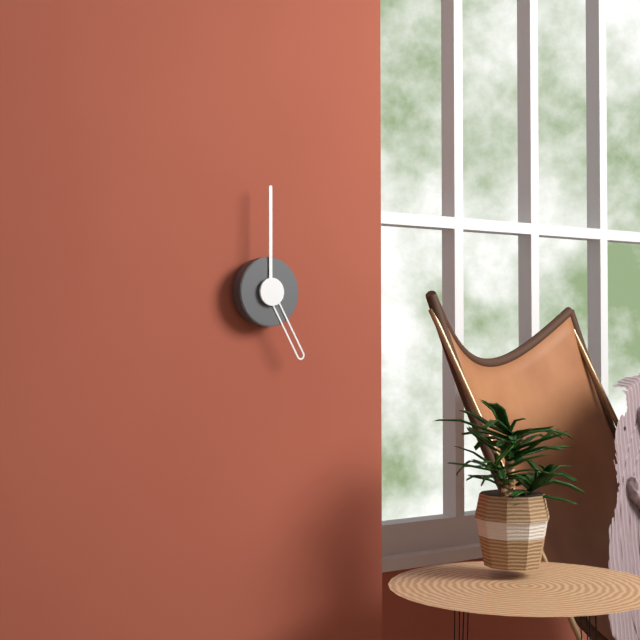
h=5 m=0
